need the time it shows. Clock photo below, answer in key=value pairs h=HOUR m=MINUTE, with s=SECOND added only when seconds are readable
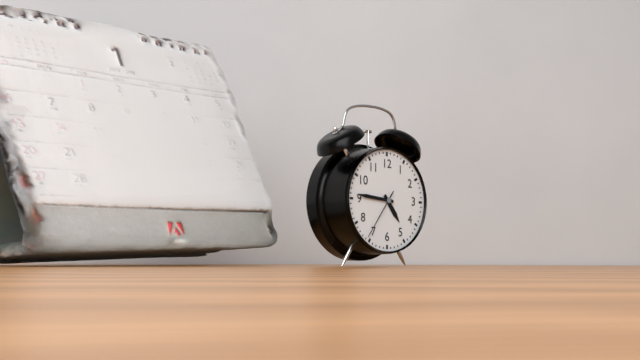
h=4 m=46 s=36
